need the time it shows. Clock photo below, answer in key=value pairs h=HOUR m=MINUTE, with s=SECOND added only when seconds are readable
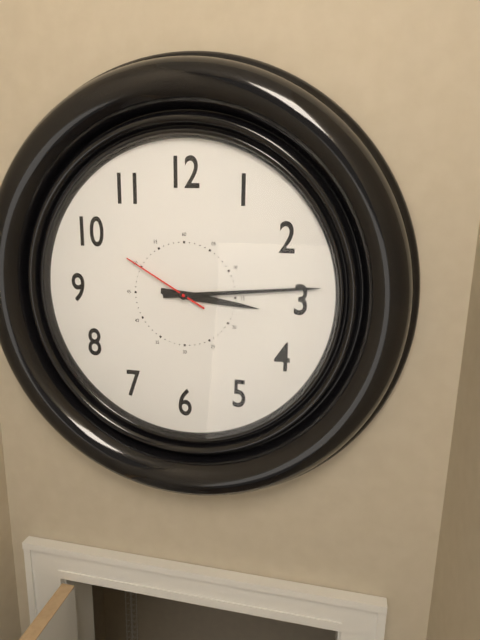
h=3 m=14 s=50
